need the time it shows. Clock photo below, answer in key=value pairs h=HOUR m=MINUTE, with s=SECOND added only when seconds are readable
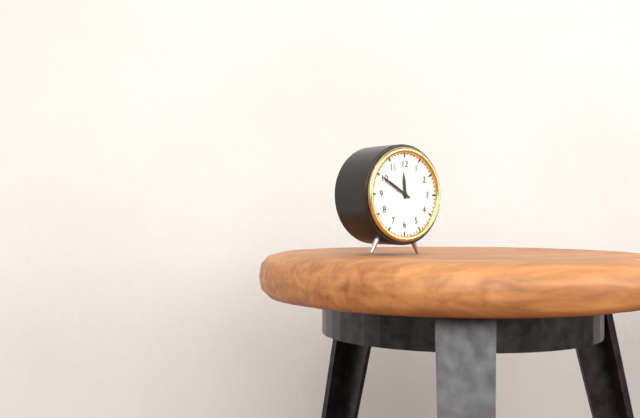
h=11 m=50
